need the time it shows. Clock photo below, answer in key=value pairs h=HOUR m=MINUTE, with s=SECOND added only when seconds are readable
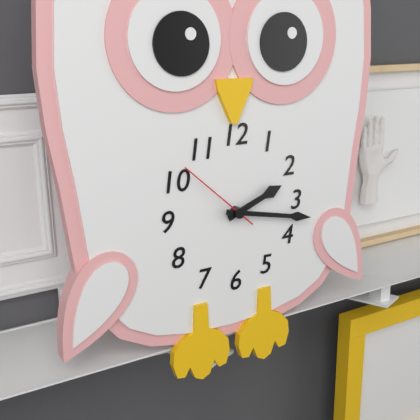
h=2 m=17 s=52
